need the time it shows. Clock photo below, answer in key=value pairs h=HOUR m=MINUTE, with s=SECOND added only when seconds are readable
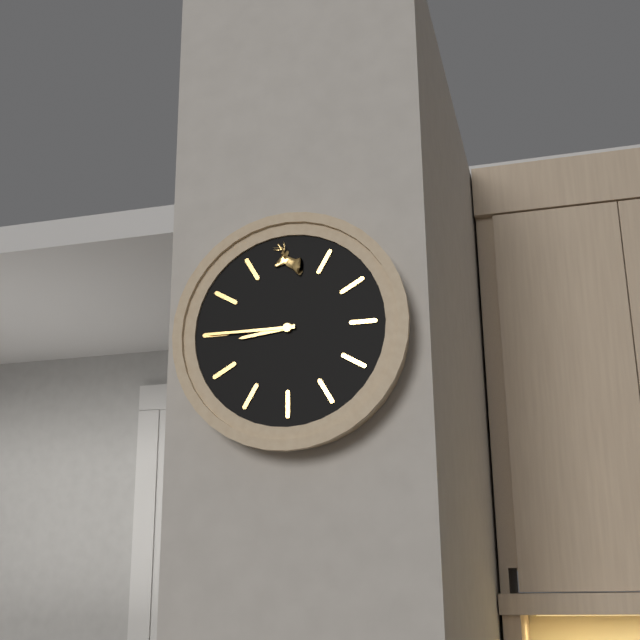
h=8 m=45
